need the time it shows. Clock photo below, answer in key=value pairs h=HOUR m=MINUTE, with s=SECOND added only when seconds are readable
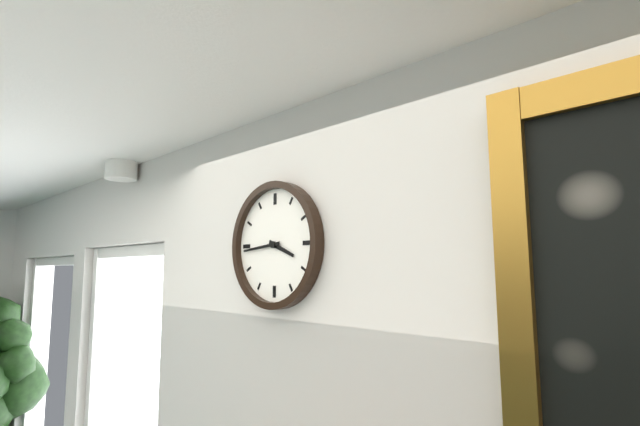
h=3 m=44
